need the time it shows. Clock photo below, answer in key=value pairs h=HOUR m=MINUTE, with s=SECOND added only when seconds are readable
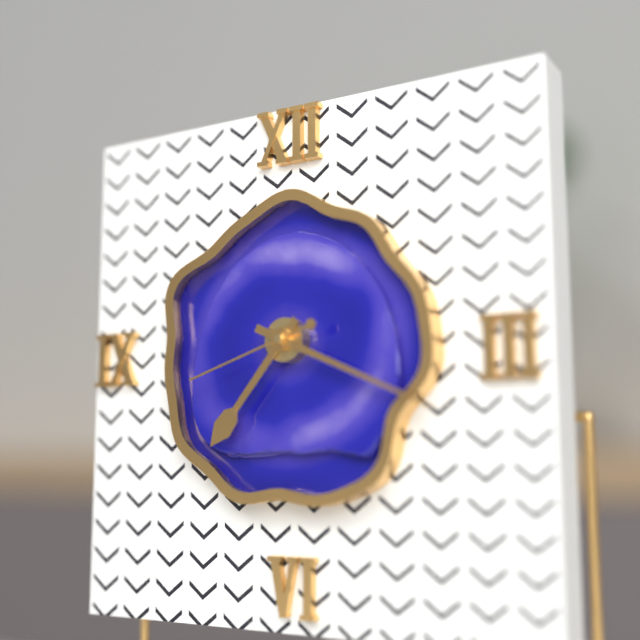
h=7 m=19 s=42
